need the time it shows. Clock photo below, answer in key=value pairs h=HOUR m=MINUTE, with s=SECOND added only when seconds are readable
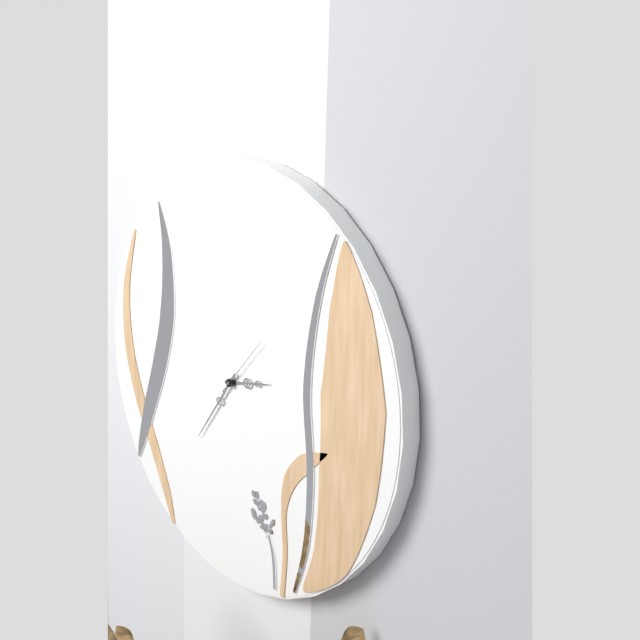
h=2 m=36 s=7
